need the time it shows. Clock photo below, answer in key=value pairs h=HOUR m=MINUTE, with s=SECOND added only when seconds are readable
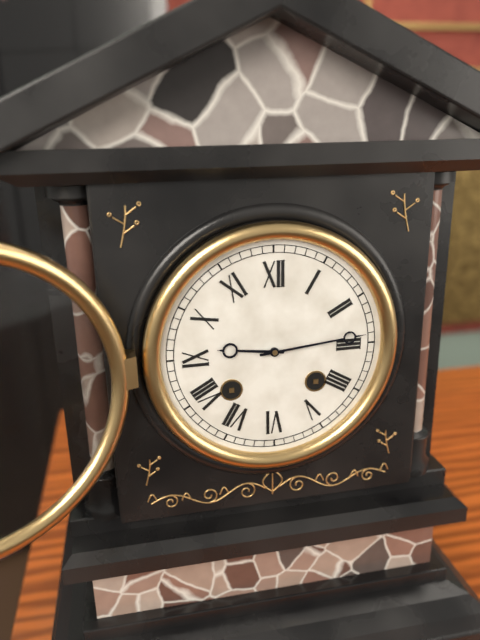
h=9 m=14
